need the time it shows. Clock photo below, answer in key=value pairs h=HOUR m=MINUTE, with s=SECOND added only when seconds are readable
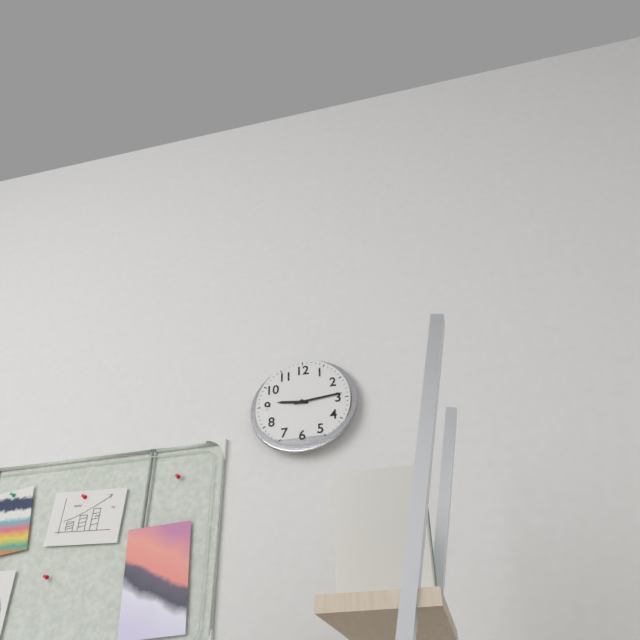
h=9 m=14
